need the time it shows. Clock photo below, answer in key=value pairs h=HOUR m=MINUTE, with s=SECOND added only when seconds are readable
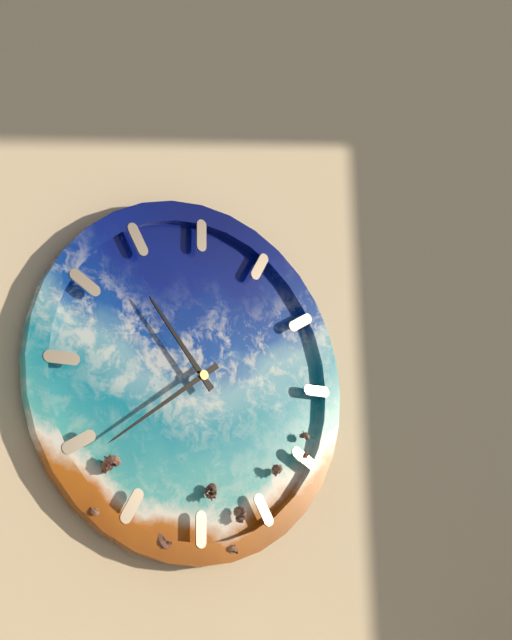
h=10 m=39
